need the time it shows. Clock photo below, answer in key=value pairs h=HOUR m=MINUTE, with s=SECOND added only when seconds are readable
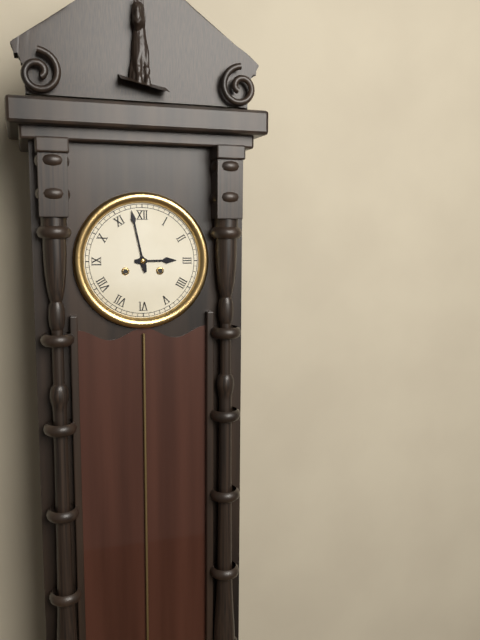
h=2 m=58
